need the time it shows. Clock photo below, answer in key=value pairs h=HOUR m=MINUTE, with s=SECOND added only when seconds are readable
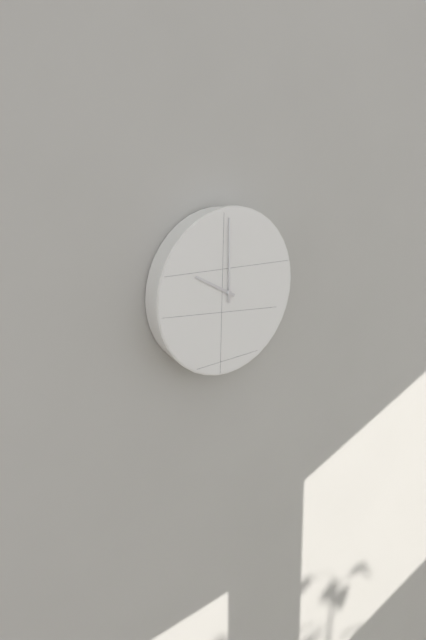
h=10 m=0
